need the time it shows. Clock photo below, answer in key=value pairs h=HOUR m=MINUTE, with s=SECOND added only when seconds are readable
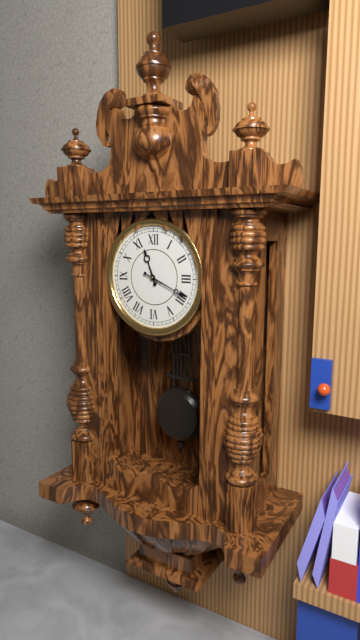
h=11 m=19
